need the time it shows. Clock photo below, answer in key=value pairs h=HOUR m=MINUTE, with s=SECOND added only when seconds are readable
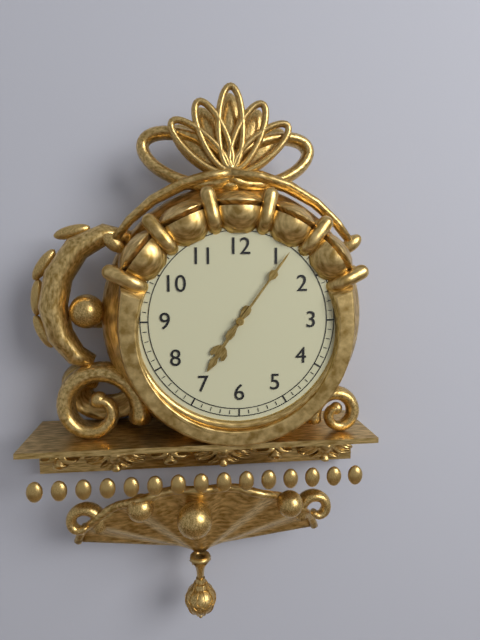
h=7 m=6
